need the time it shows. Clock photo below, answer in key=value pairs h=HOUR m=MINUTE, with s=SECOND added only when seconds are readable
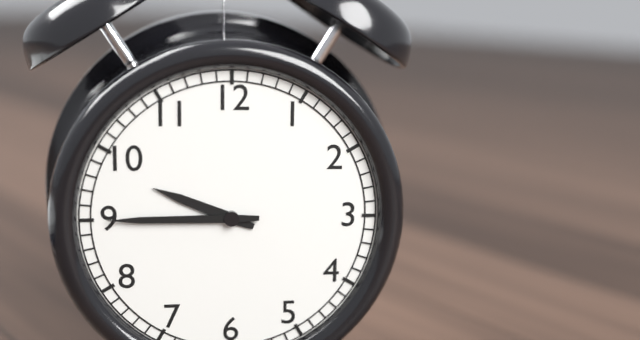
h=9 m=45
